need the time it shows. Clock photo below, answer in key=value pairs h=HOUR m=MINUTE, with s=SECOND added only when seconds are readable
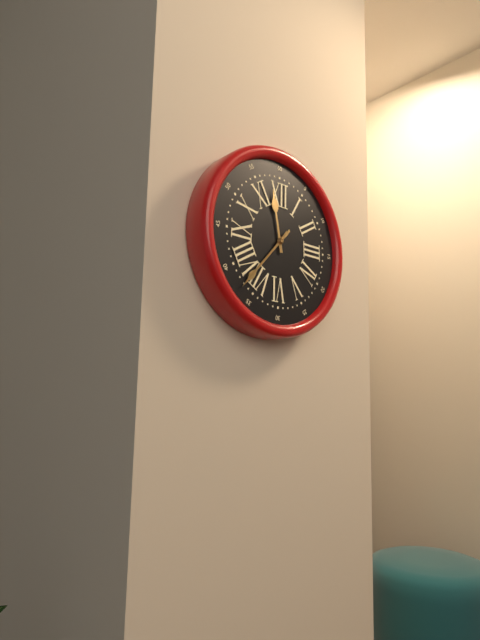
h=11 m=37 s=37
